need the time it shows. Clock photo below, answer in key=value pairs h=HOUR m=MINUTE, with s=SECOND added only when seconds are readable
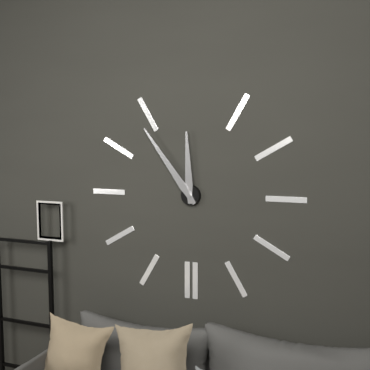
h=11 m=54
